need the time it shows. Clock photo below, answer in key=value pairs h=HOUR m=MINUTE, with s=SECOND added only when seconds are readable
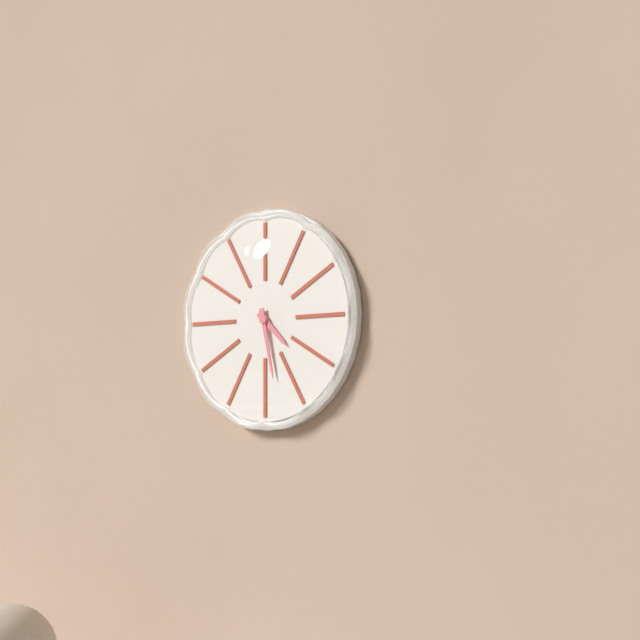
h=4 m=28
